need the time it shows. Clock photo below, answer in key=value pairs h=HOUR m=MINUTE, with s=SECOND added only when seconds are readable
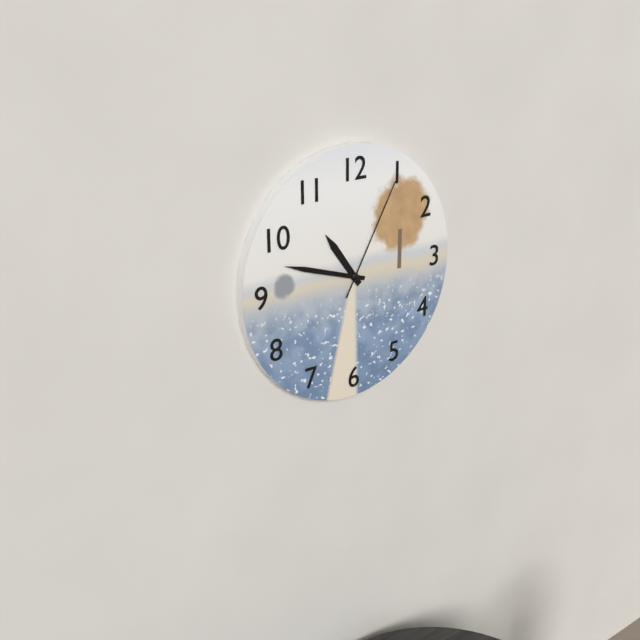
h=10 m=48 s=5
